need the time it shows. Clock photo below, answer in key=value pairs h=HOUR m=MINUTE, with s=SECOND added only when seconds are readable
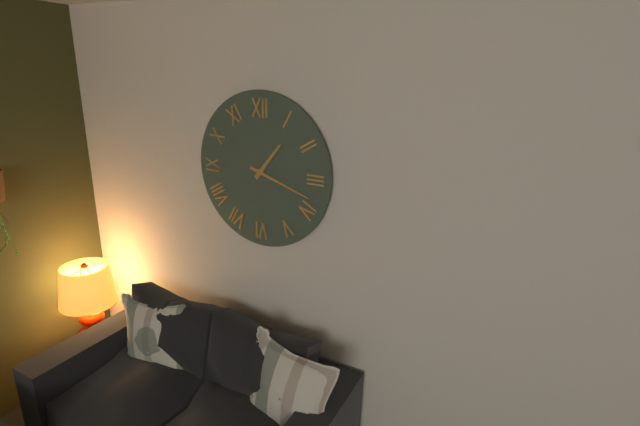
h=1 m=18
